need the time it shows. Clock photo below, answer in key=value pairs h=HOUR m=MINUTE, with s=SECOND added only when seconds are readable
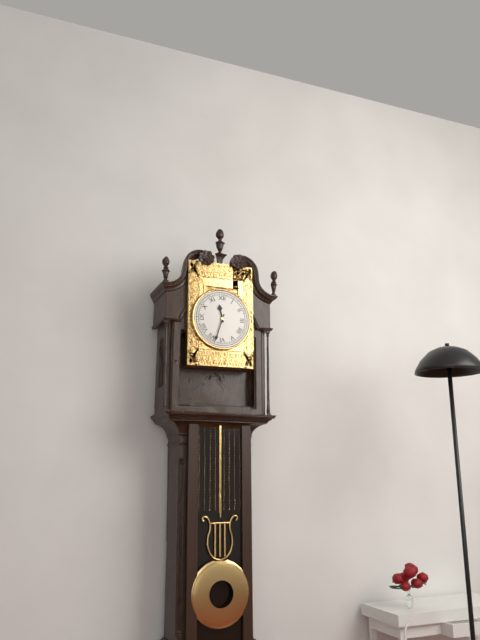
h=11 m=33
